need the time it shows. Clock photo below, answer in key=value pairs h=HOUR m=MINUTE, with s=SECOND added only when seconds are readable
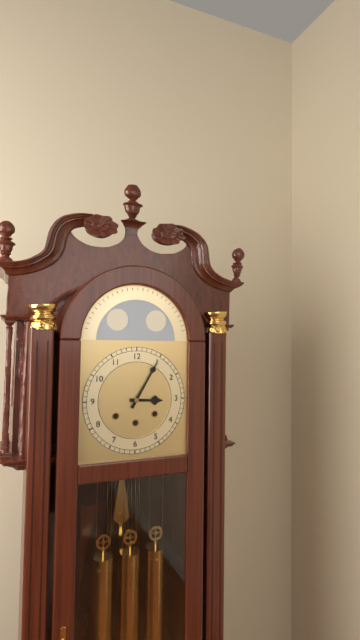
h=3 m=5
